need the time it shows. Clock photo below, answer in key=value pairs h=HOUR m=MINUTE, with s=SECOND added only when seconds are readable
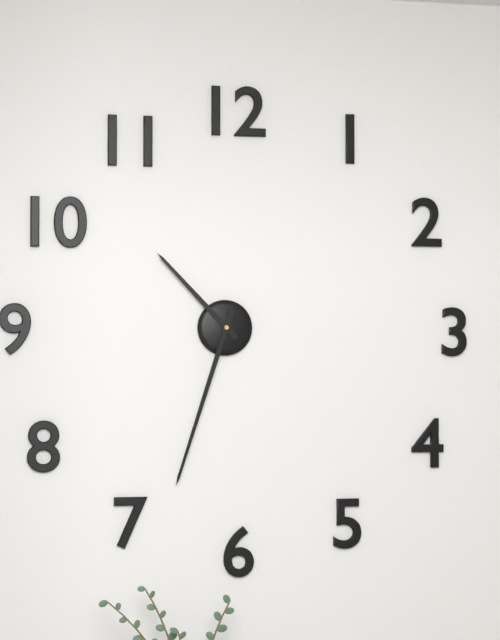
h=10 m=33
